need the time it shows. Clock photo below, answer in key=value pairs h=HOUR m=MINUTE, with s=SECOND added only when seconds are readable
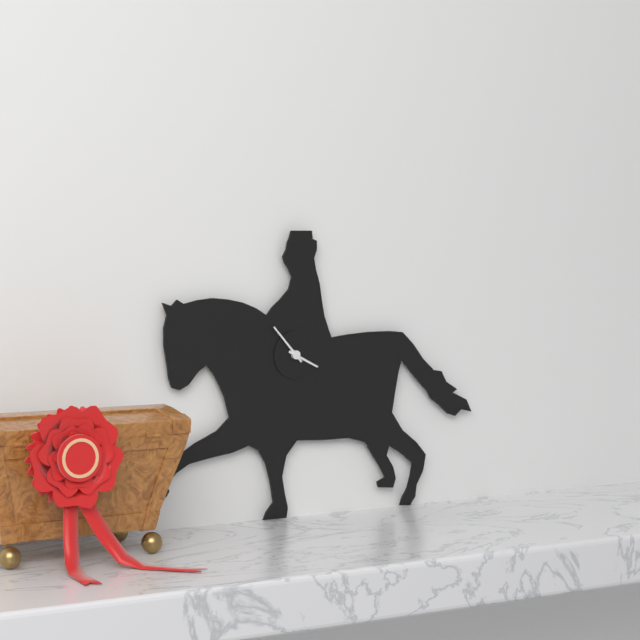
h=3 m=53
